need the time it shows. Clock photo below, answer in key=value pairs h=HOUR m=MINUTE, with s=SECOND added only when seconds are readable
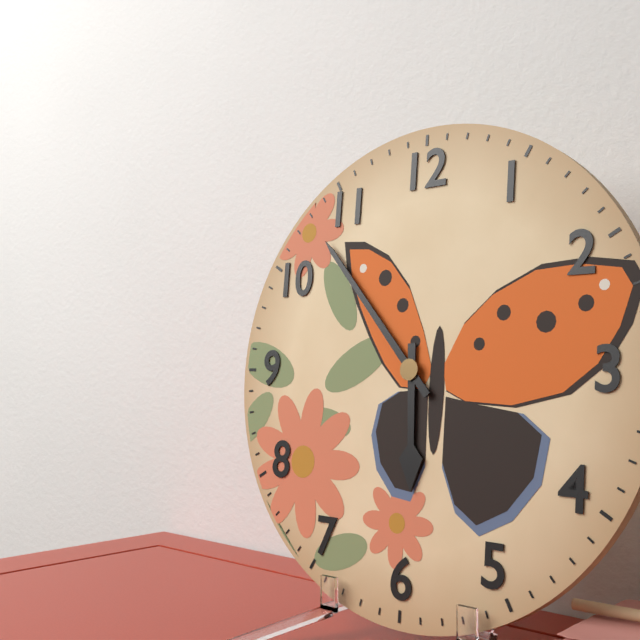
h=5 m=53
